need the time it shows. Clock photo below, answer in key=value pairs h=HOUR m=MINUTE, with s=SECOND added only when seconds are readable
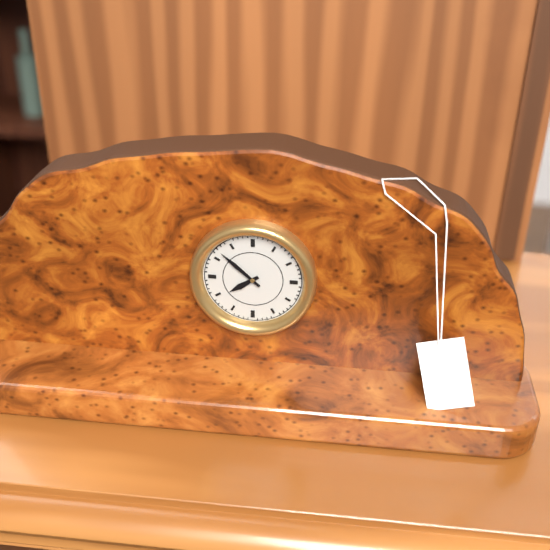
h=7 m=52
